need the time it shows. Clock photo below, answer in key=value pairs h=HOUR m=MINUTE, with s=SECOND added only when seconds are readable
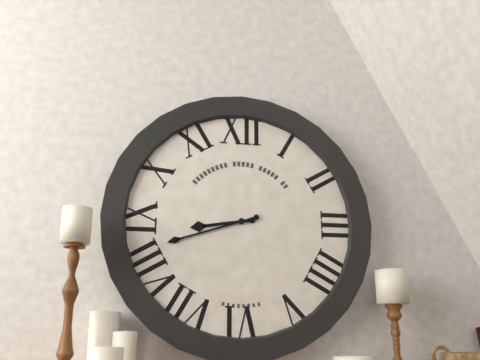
h=8 m=42
